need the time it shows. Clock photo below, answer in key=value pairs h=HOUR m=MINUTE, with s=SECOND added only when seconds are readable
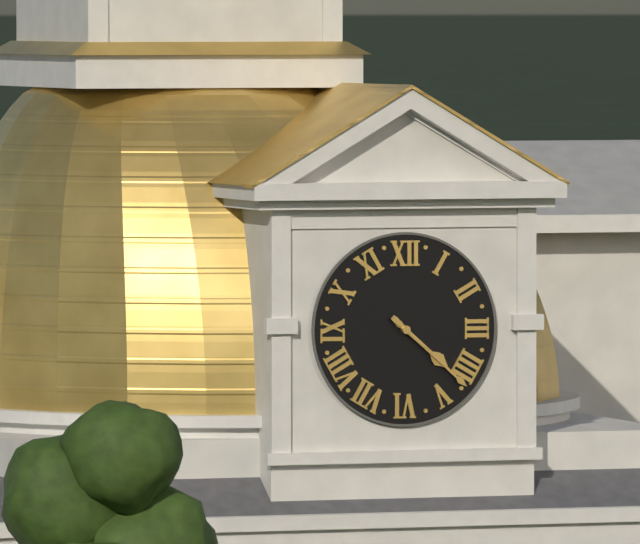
h=4 m=22
